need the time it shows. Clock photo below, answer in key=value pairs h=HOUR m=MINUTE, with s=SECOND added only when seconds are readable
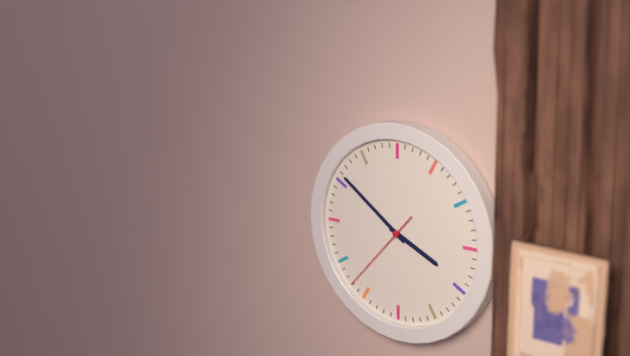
h=3 m=51 s=37
